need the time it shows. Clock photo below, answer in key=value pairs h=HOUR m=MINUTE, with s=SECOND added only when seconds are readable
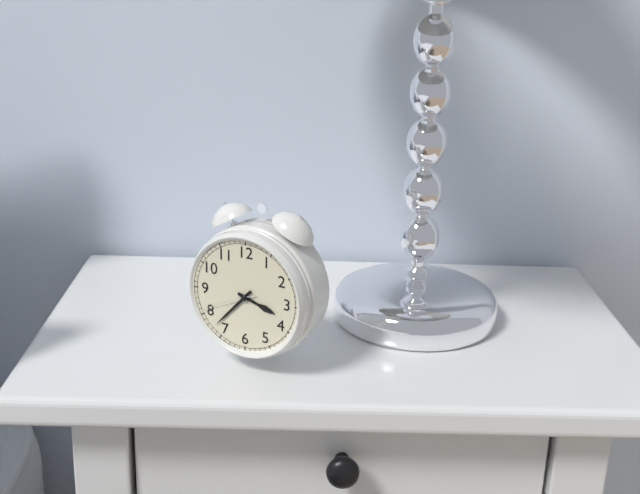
h=3 m=37 s=41
